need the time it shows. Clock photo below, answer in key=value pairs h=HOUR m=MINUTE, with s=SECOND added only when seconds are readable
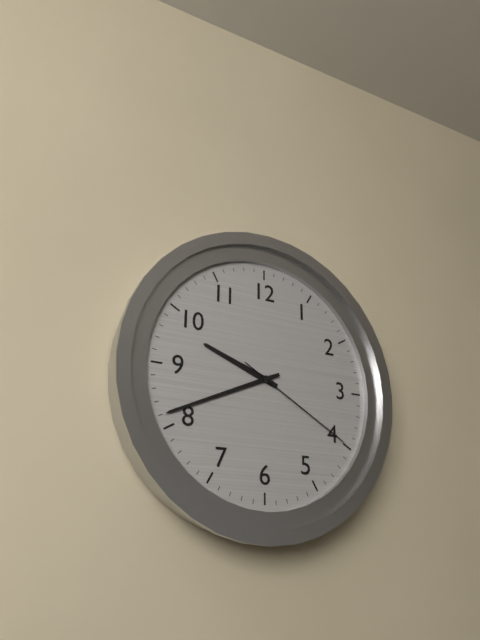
h=9 m=41 s=20
